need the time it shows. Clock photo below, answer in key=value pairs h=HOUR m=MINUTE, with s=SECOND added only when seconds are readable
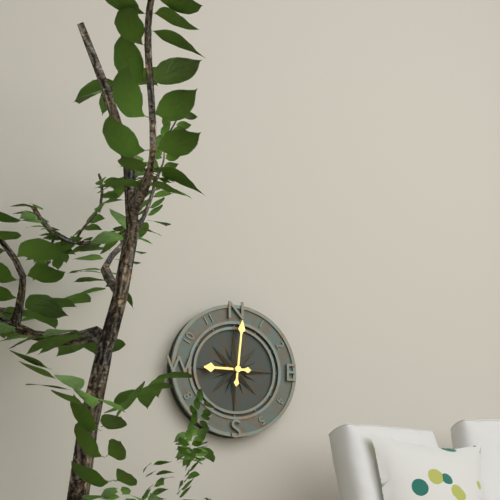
h=9 m=1
